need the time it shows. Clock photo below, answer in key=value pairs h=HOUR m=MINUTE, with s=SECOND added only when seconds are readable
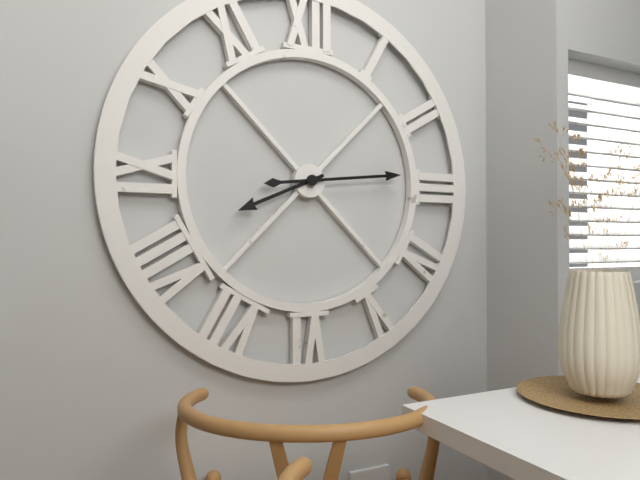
h=8 m=14
